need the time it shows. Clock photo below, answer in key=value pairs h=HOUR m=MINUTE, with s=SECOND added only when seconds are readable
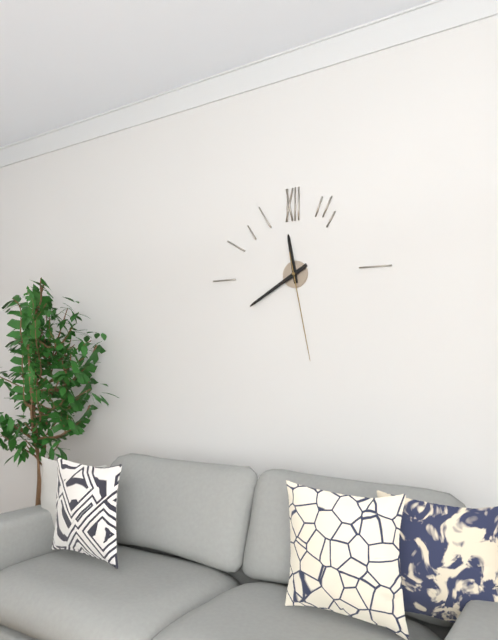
h=11 m=40 s=28
